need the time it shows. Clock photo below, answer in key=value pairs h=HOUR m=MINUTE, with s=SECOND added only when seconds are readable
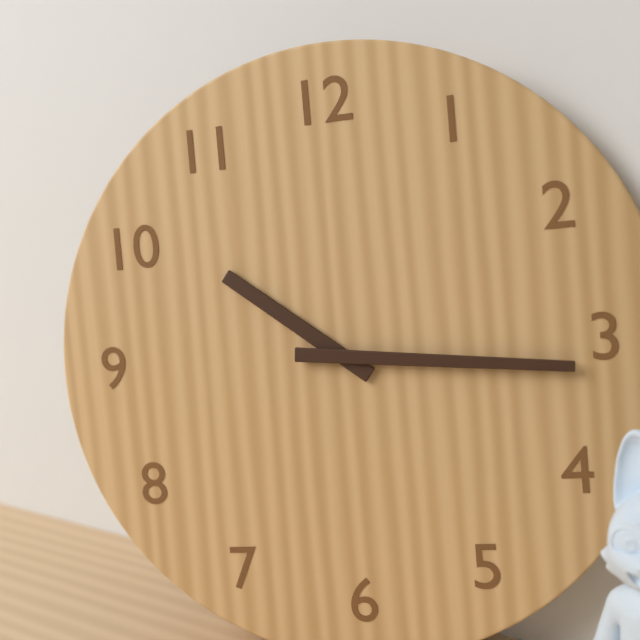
h=10 m=16
